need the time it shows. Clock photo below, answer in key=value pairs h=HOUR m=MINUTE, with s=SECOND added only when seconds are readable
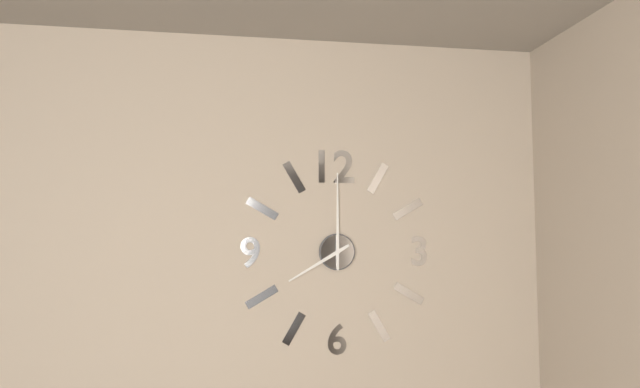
h=8 m=0
